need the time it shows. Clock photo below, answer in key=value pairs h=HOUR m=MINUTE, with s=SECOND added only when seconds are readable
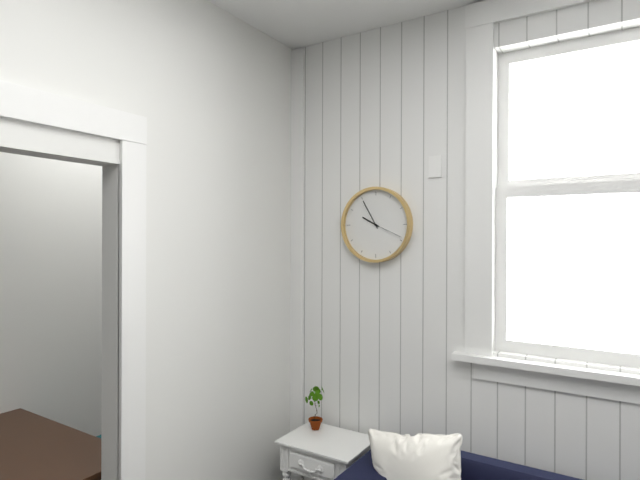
h=9 m=55
